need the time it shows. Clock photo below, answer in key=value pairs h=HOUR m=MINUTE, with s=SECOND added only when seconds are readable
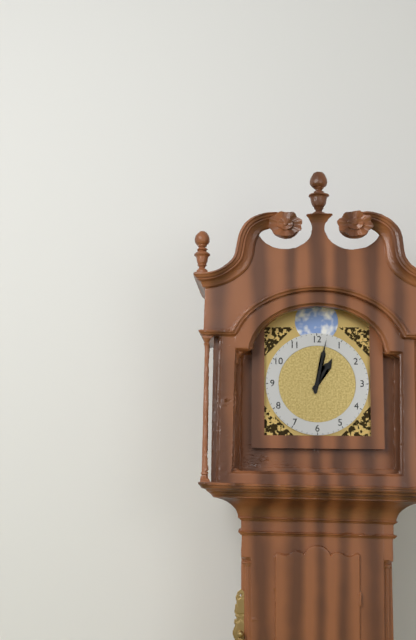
h=1 m=2
